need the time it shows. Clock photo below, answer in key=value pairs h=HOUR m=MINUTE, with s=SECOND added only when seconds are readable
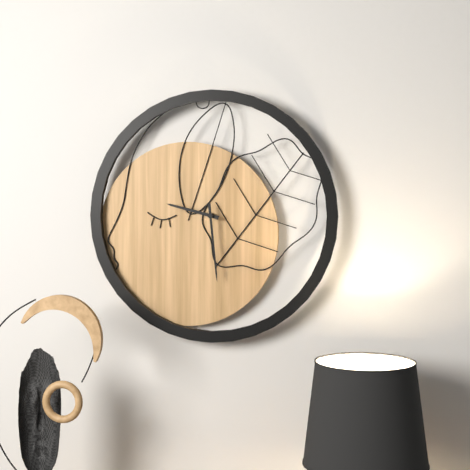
h=9 m=29
